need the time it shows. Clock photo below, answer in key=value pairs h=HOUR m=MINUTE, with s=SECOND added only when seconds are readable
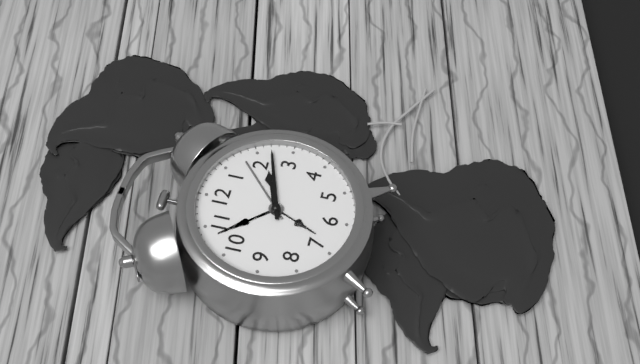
h=2 m=12
